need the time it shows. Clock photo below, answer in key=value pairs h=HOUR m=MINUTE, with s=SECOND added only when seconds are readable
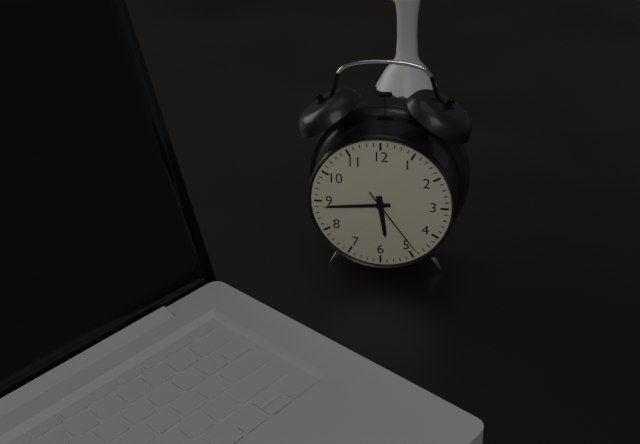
h=5 m=44 s=24
